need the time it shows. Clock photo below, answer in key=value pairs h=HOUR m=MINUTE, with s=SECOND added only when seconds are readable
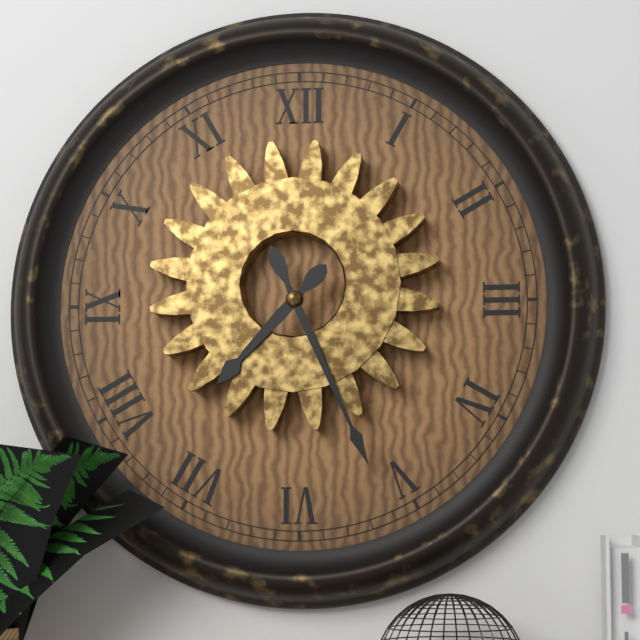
h=7 m=26
